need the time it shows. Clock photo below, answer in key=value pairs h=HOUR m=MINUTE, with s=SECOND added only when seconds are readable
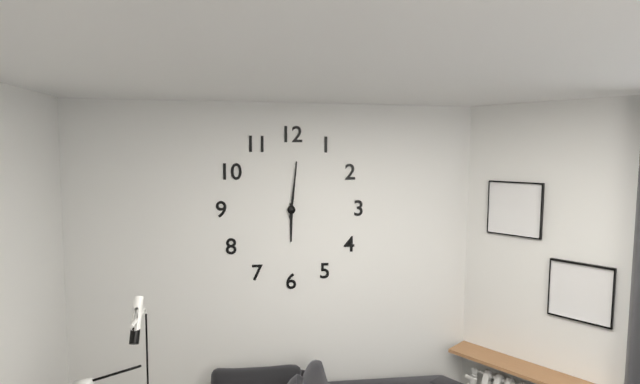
h=6 m=1
